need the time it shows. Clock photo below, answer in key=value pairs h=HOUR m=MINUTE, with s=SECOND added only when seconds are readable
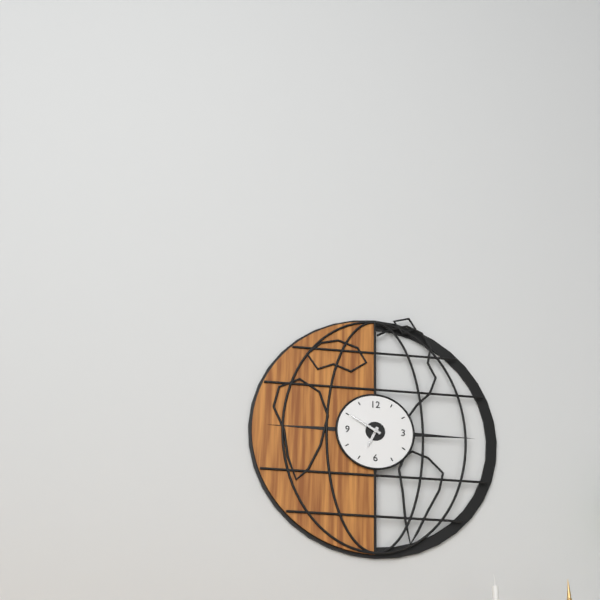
h=6 m=50
